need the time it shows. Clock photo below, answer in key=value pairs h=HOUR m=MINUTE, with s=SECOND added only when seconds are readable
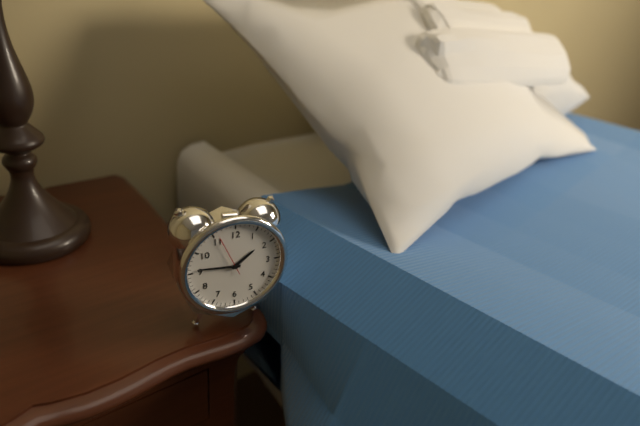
h=1 m=46
